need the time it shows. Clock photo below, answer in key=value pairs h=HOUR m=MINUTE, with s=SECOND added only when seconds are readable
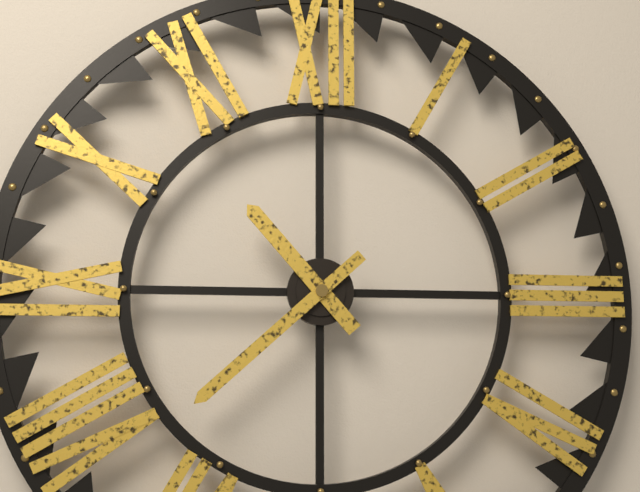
h=10 m=38
